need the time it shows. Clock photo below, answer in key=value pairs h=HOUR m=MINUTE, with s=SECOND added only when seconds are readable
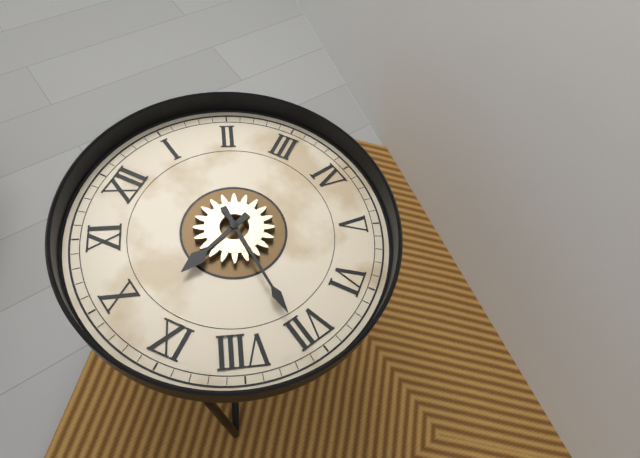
h=9 m=36
